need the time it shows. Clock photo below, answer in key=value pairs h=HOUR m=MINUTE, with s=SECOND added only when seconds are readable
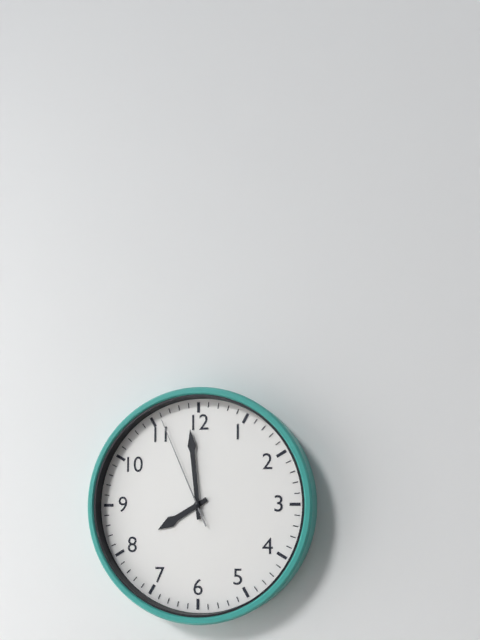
h=7 m=59 s=56
